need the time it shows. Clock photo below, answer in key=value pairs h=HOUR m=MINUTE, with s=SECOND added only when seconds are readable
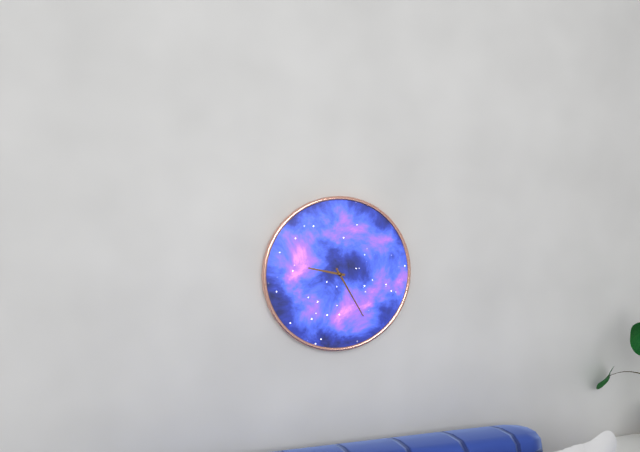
h=9 m=25
